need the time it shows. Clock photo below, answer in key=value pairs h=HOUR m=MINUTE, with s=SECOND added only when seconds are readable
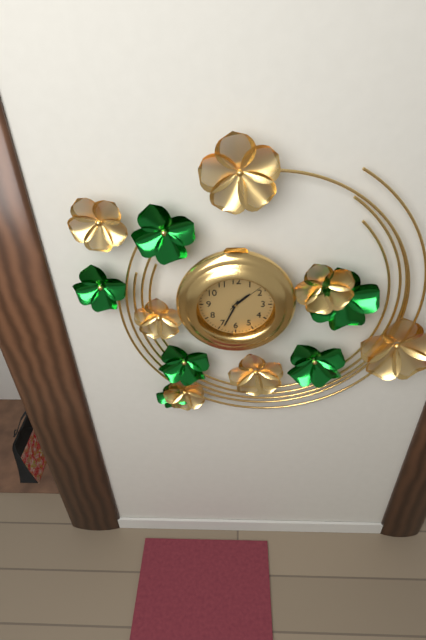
h=1 m=34
